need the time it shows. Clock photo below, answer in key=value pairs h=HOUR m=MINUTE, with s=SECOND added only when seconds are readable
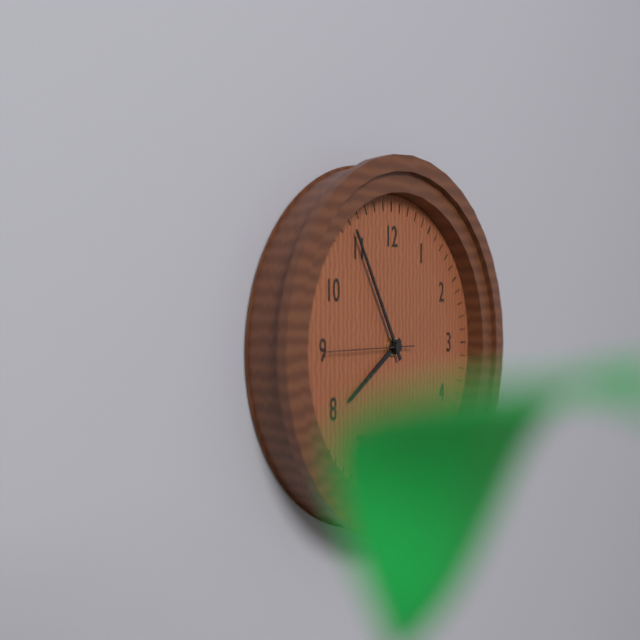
h=7 m=55 s=45
